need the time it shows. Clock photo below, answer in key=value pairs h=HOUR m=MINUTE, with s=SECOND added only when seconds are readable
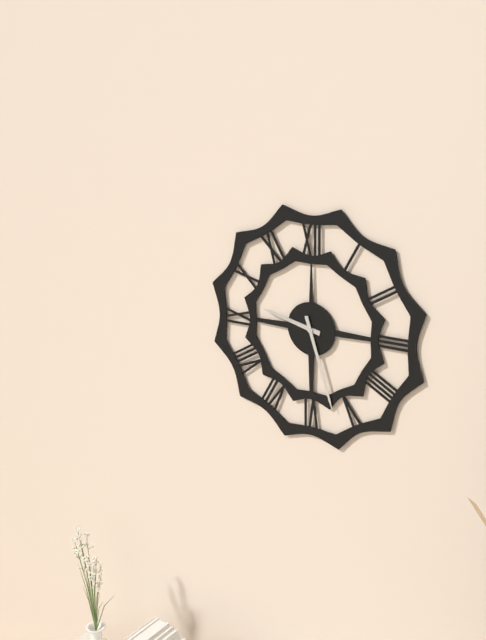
h=9 m=27
